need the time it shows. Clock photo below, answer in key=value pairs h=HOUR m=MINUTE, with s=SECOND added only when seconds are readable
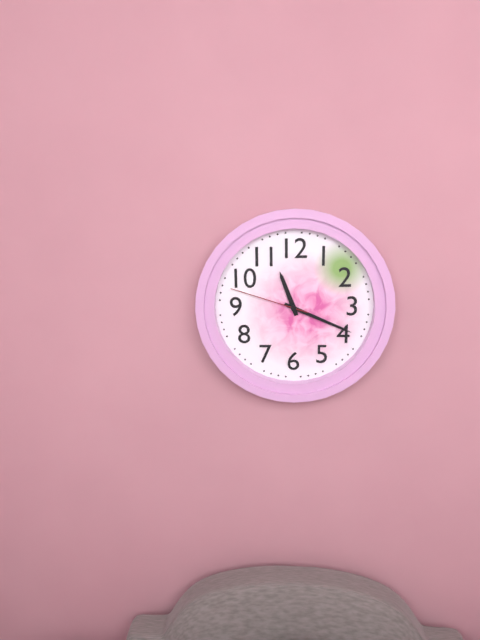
h=11 m=19 s=48
